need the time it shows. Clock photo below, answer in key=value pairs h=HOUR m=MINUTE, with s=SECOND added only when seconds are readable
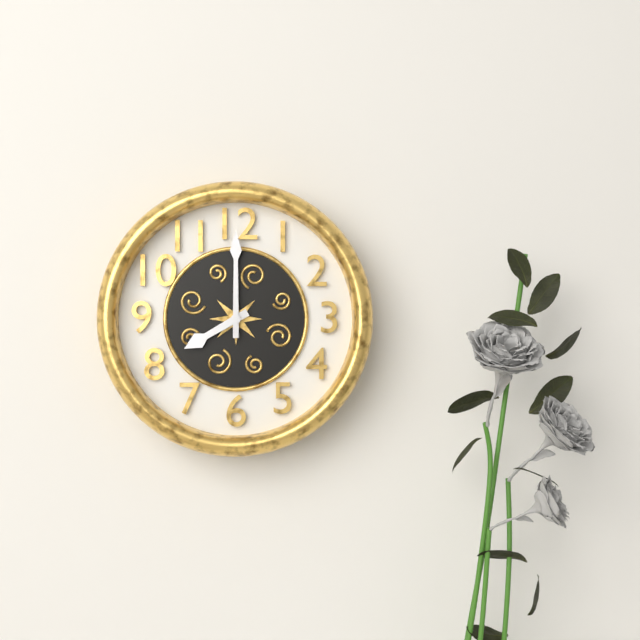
h=8 m=0
